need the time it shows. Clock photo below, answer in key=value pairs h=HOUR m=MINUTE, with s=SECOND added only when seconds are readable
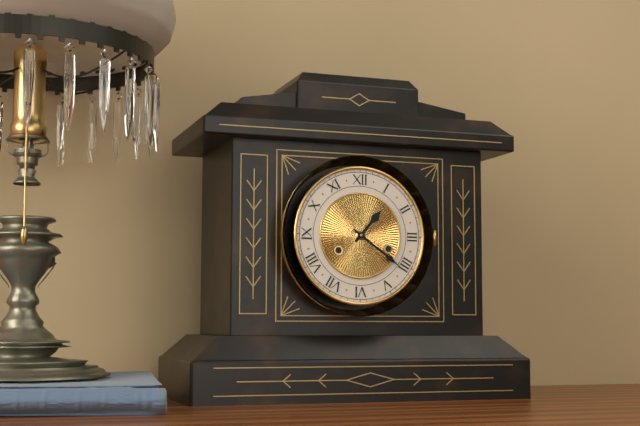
h=1 m=21
